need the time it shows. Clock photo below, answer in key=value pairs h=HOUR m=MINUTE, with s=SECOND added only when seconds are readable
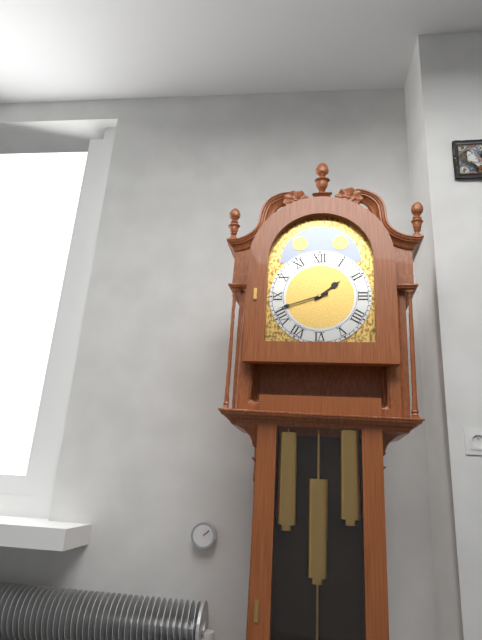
h=1 m=42
